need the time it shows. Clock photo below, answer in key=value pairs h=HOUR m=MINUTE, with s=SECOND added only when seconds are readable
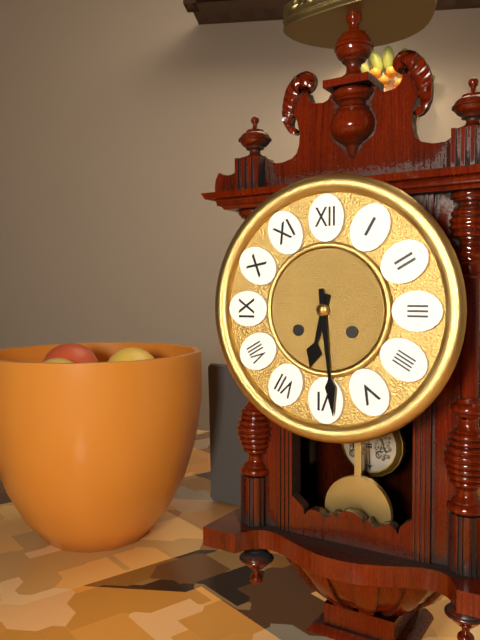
h=6 m=29
